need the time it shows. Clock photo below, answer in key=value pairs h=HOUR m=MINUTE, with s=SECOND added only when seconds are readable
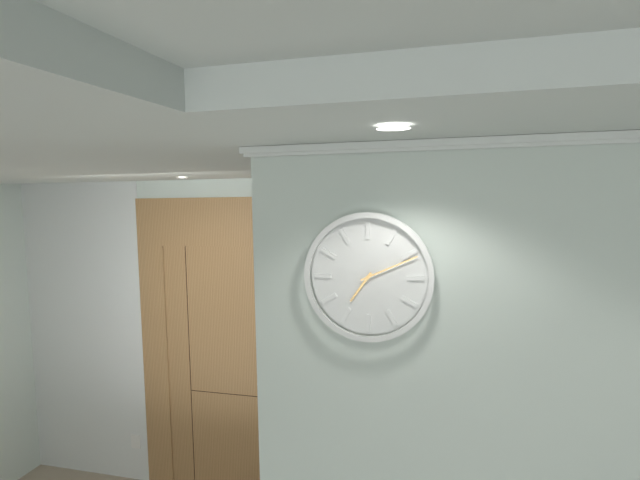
h=7 m=11
